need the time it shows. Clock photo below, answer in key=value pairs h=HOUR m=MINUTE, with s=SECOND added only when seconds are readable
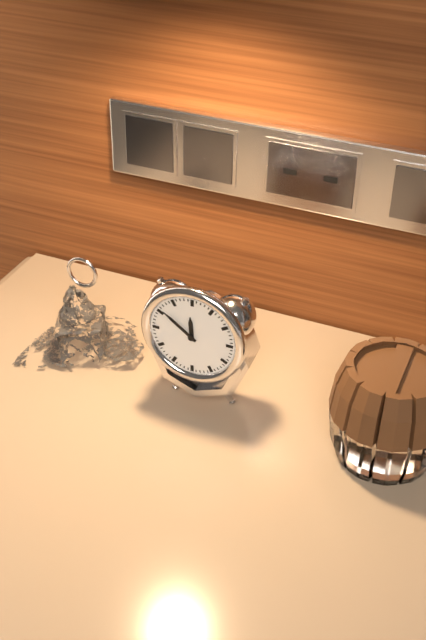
h=11 m=51
